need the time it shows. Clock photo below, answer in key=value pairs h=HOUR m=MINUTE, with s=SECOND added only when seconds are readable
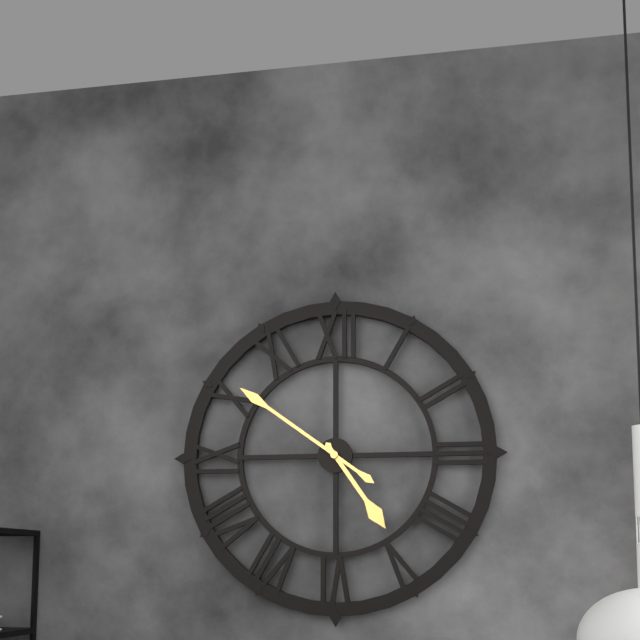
h=4 m=51
